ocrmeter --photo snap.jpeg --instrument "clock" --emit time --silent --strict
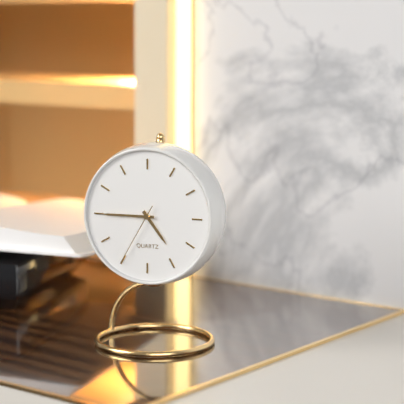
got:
4:45:35
